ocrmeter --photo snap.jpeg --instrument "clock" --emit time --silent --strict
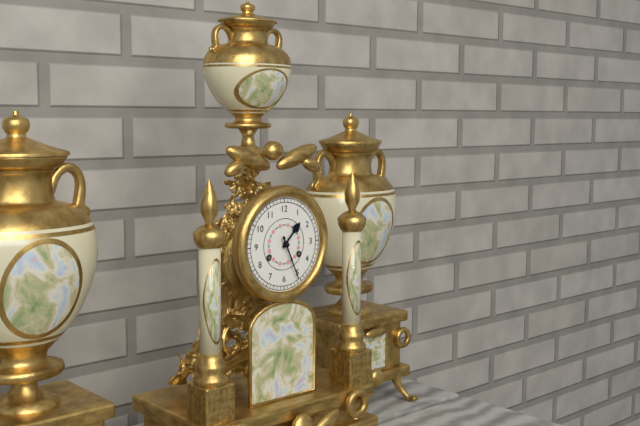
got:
1:26
